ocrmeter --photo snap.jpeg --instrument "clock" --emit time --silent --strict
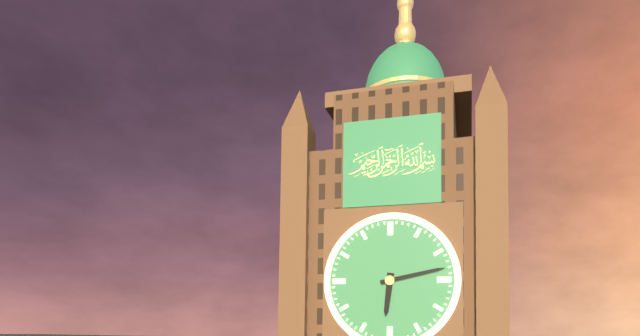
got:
6:13
